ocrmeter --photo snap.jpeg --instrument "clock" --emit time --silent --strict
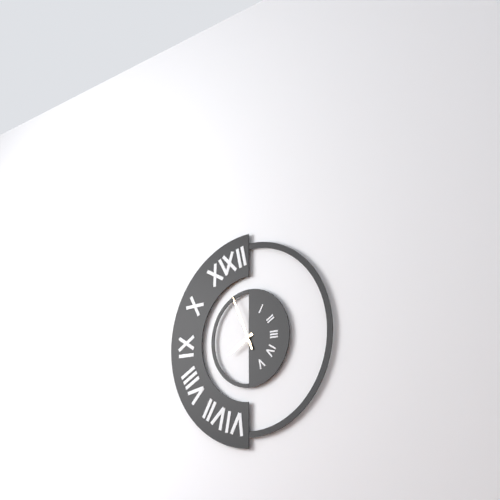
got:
7:56
